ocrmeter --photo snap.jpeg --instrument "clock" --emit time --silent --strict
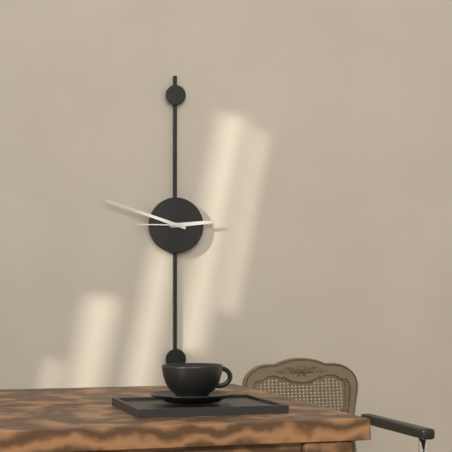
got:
2:48
